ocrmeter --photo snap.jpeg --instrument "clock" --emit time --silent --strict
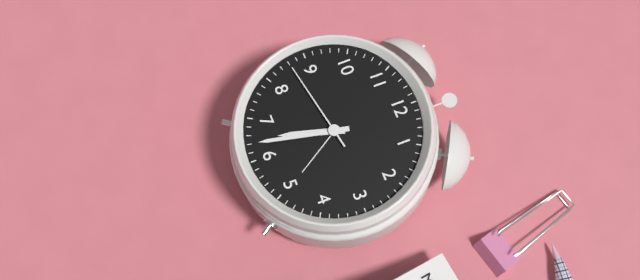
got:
6:32:43
